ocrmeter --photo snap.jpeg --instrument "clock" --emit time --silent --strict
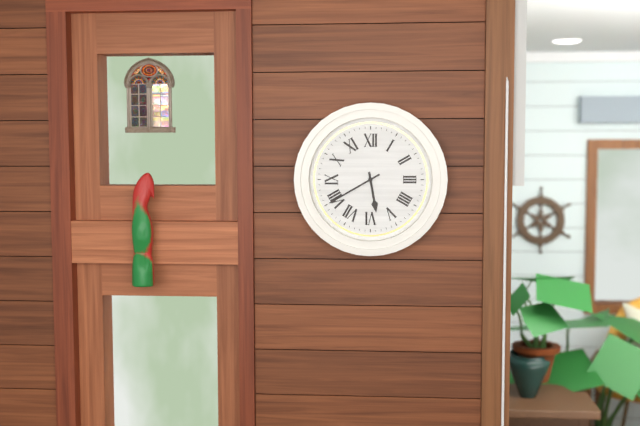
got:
5:40
